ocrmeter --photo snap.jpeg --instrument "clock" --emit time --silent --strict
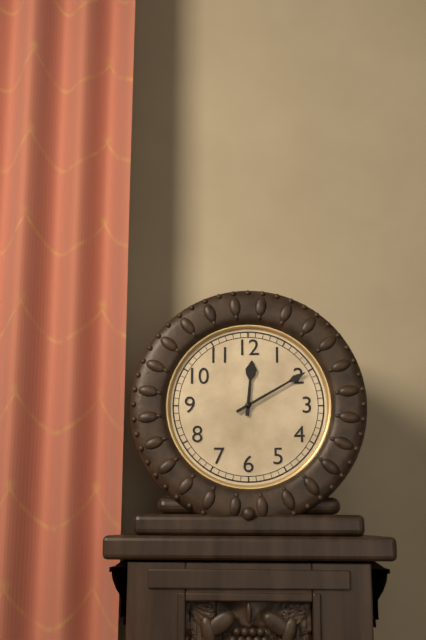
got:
12:10
